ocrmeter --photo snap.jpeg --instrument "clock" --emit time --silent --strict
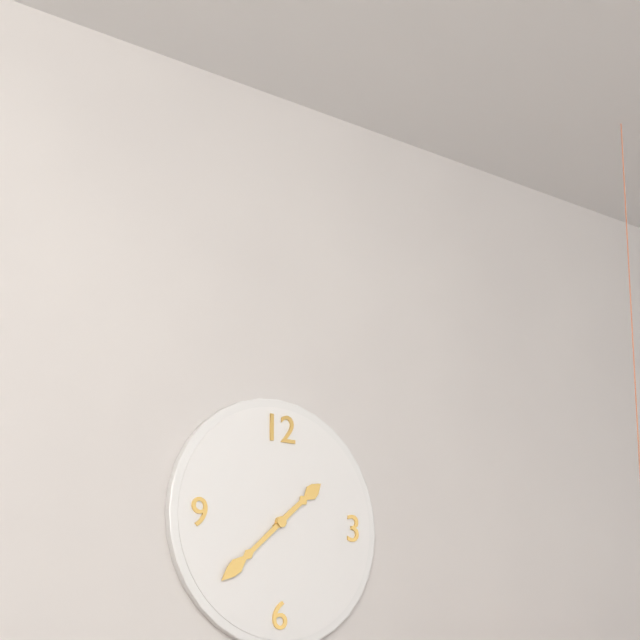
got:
1:38
